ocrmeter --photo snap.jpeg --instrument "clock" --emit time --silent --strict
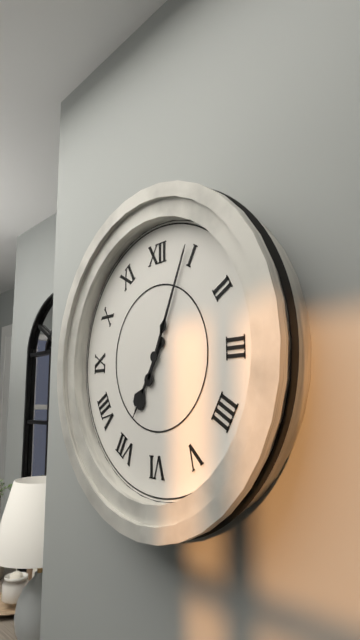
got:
7:04
